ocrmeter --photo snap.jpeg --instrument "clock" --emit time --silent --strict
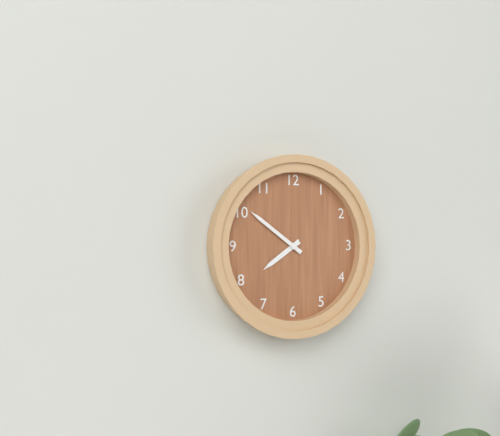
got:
7:51
